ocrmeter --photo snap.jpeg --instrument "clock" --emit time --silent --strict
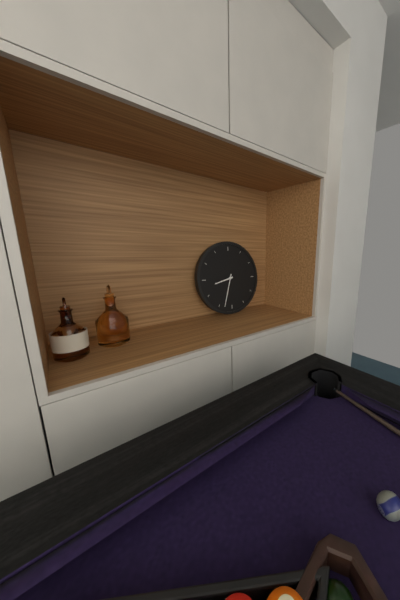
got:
8:33
